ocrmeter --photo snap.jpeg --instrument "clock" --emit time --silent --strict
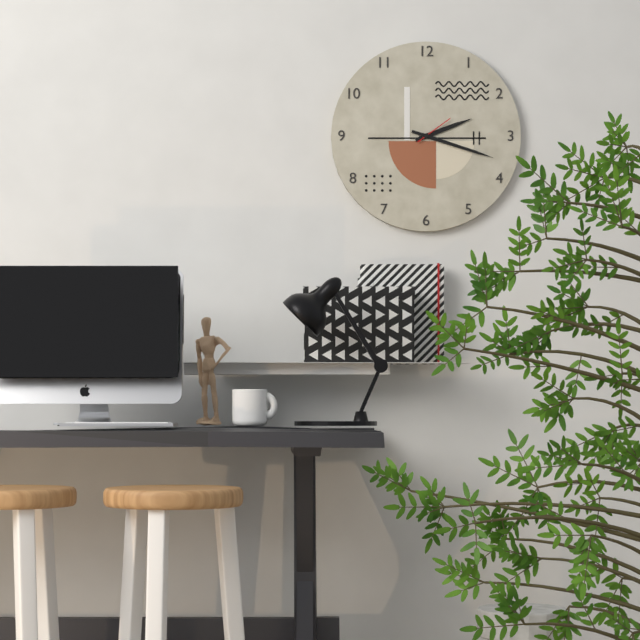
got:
2:18
